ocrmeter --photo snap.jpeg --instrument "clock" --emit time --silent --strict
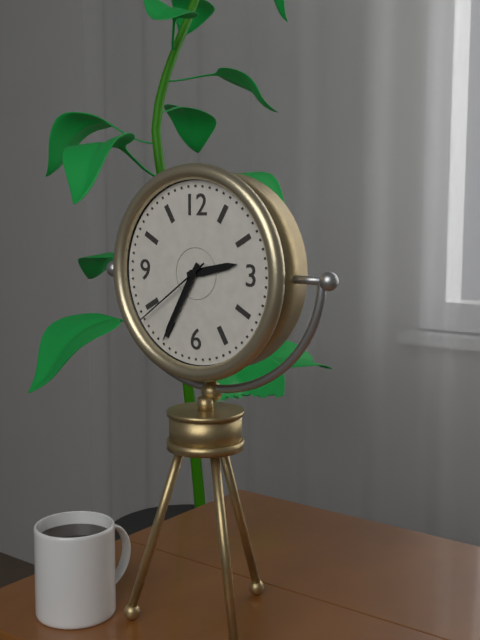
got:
2:35:39
